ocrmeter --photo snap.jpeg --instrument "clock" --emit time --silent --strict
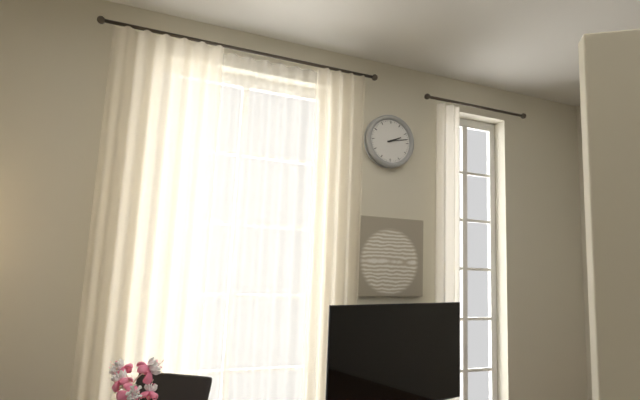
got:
2:13
